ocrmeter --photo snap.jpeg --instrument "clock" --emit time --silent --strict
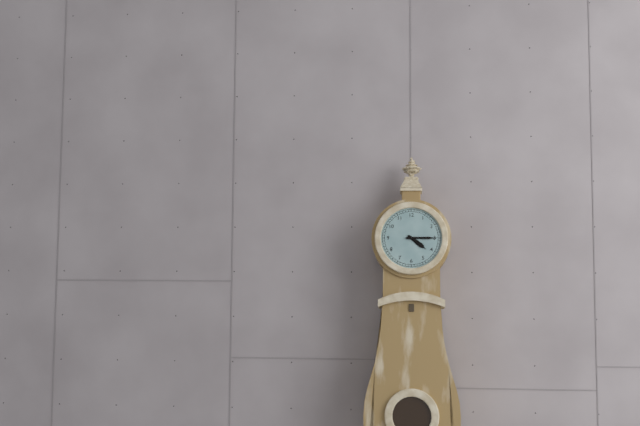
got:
4:15
